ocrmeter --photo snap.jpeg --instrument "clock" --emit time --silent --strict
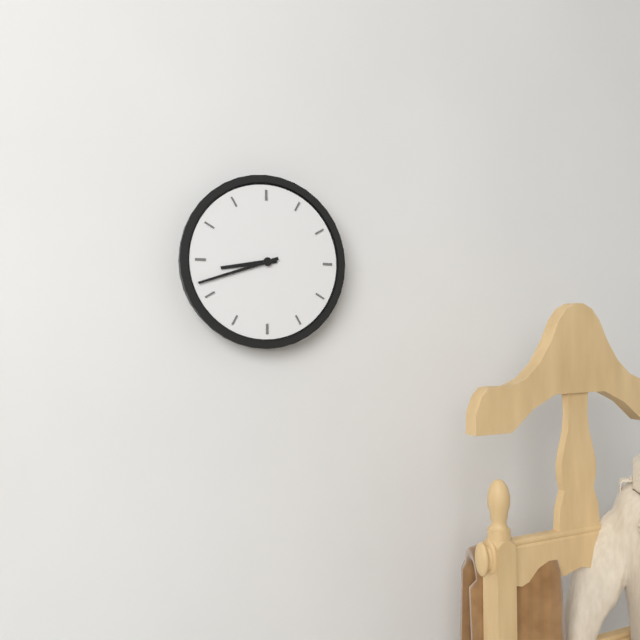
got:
8:42
